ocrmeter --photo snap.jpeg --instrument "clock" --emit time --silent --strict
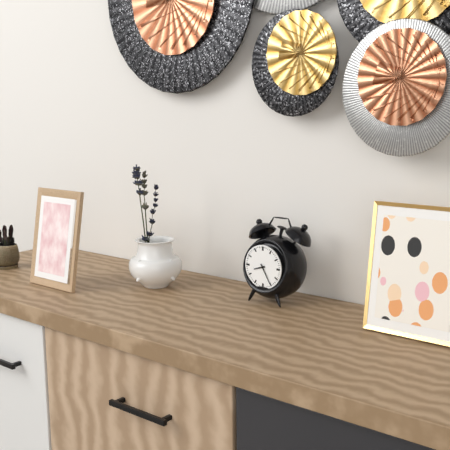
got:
8:25
